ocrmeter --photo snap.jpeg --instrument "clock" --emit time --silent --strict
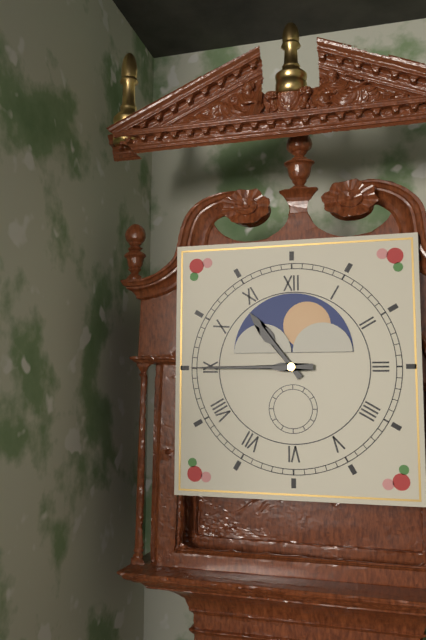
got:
10:45
